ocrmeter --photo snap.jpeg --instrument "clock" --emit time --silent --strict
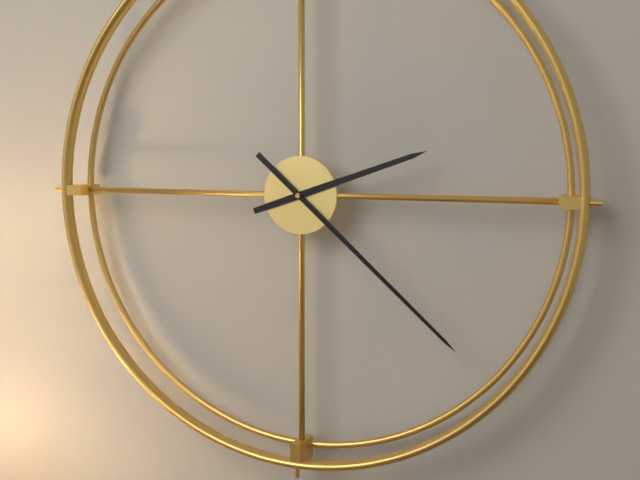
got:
2:22
